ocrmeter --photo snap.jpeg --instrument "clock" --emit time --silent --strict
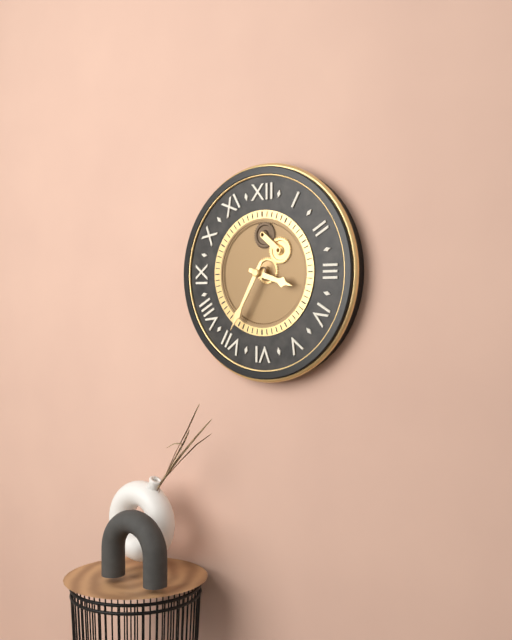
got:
3:35
